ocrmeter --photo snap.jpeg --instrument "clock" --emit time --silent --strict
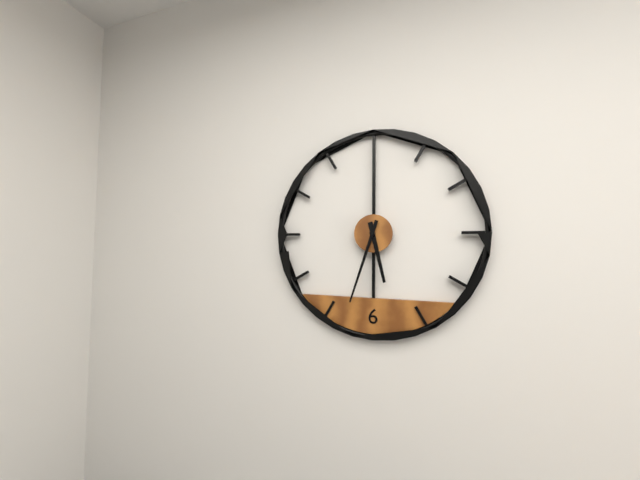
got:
5:33
